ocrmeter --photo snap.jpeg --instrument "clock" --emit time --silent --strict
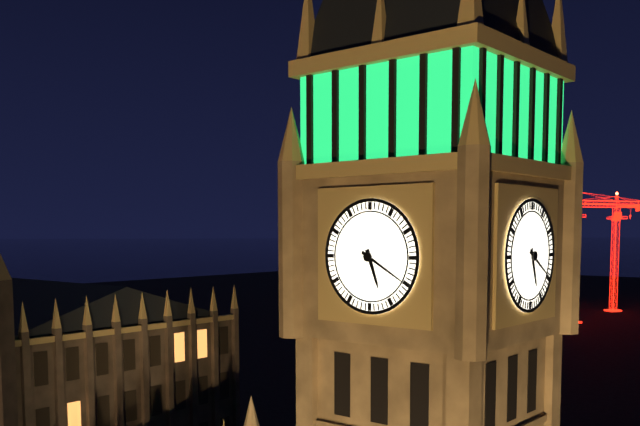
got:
5:20
